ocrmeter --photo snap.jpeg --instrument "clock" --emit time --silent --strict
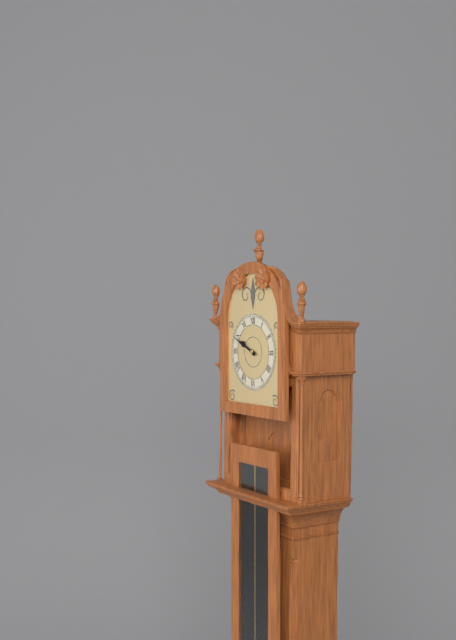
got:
9:49
